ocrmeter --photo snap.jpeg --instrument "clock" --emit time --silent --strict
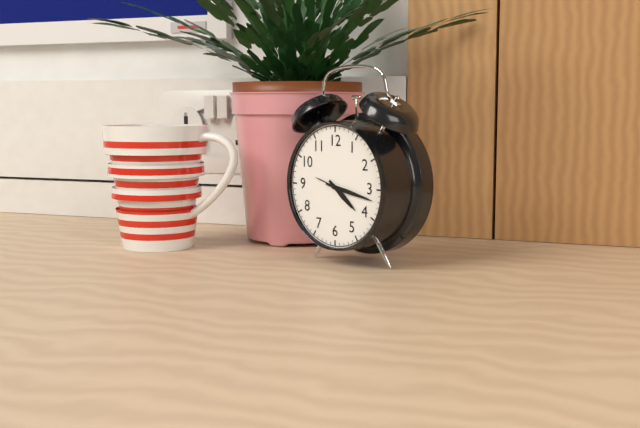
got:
4:17
